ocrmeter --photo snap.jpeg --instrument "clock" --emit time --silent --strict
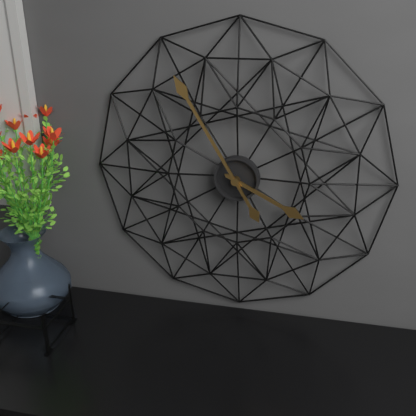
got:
3:55
